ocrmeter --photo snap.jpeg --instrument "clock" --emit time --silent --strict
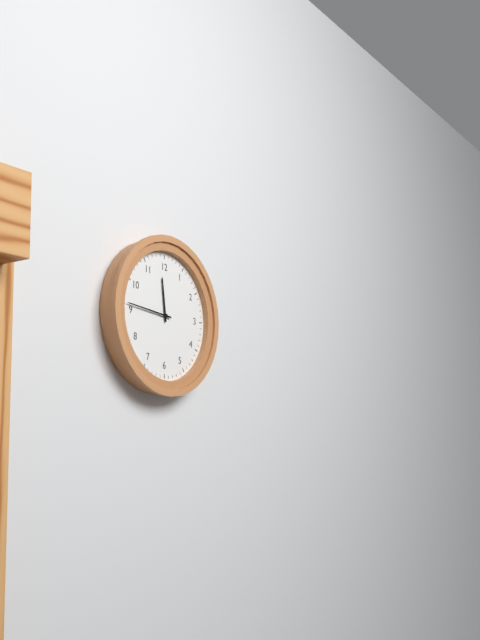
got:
11:46
